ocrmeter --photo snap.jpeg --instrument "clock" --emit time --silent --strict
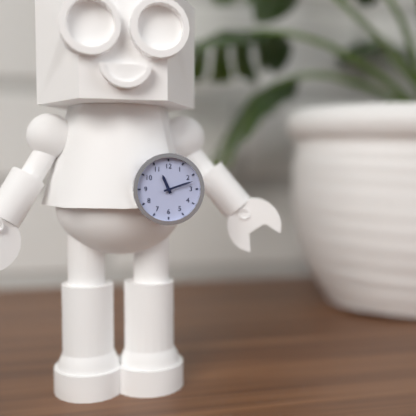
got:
11:12
